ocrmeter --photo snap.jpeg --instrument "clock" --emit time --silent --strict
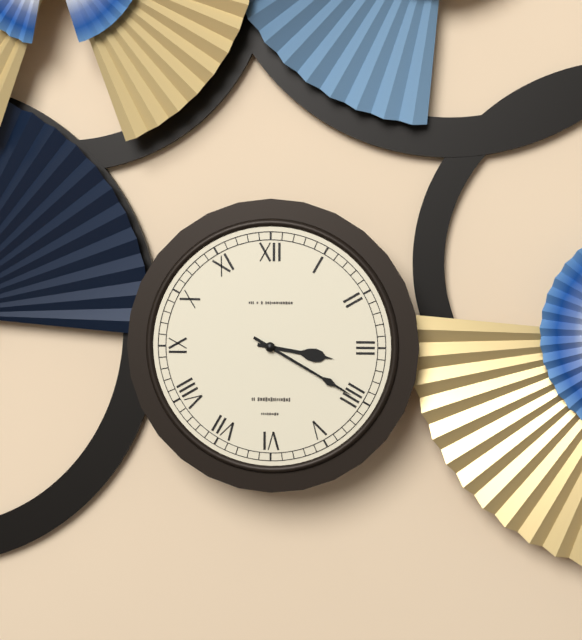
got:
3:20
